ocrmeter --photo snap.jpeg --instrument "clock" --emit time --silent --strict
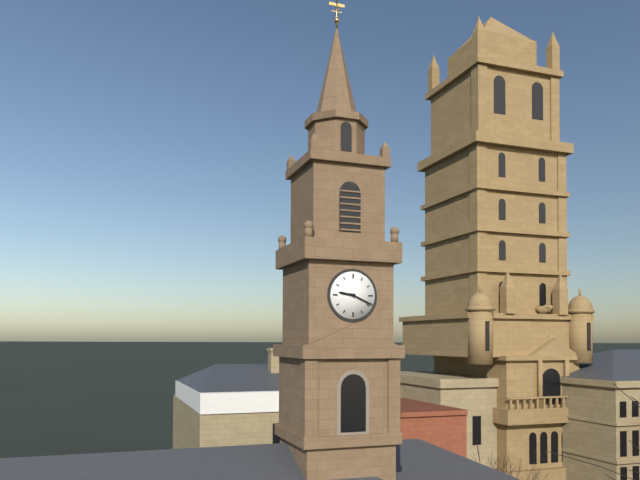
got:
9:19
